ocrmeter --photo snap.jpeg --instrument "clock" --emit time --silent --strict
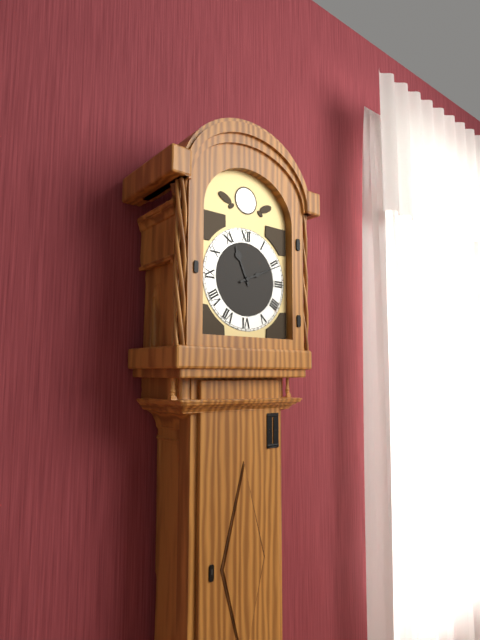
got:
11:11
